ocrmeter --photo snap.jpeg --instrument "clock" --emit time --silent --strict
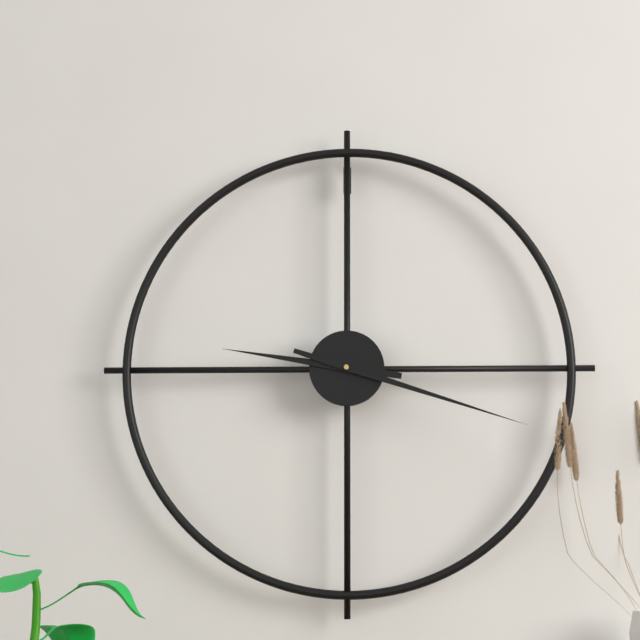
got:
9:18
